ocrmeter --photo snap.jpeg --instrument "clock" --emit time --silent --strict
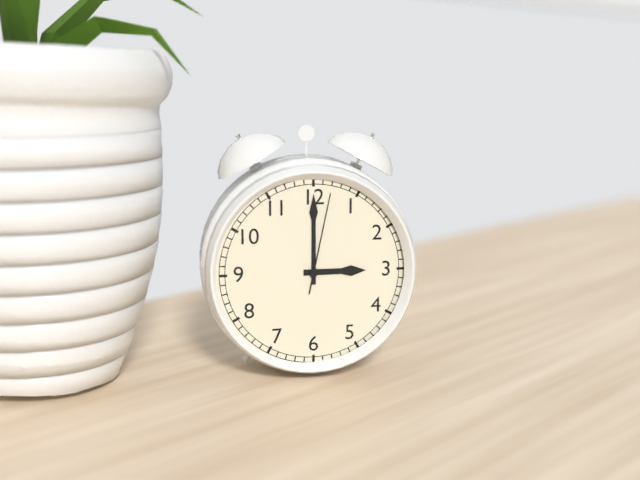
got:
3:00:02
